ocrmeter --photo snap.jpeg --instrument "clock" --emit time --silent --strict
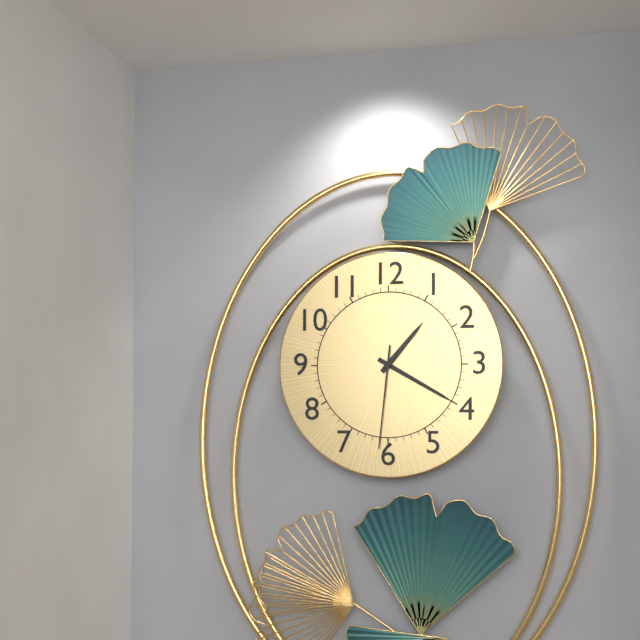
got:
1:20:31
